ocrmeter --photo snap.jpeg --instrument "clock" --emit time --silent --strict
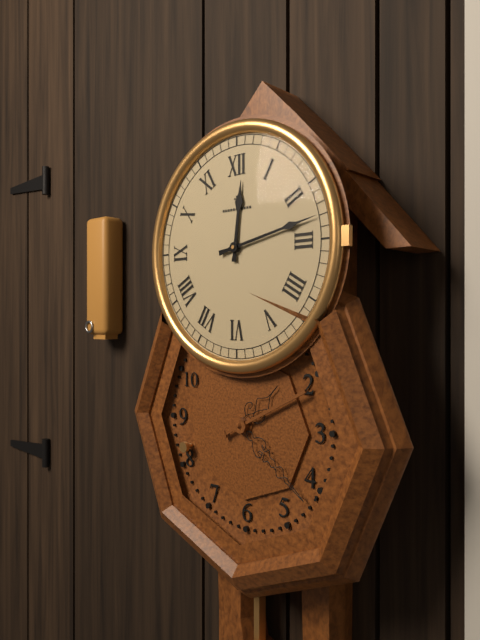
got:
12:13
